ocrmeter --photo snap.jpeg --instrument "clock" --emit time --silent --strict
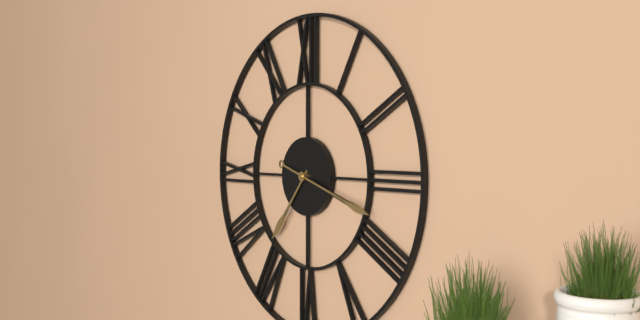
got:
7:18
